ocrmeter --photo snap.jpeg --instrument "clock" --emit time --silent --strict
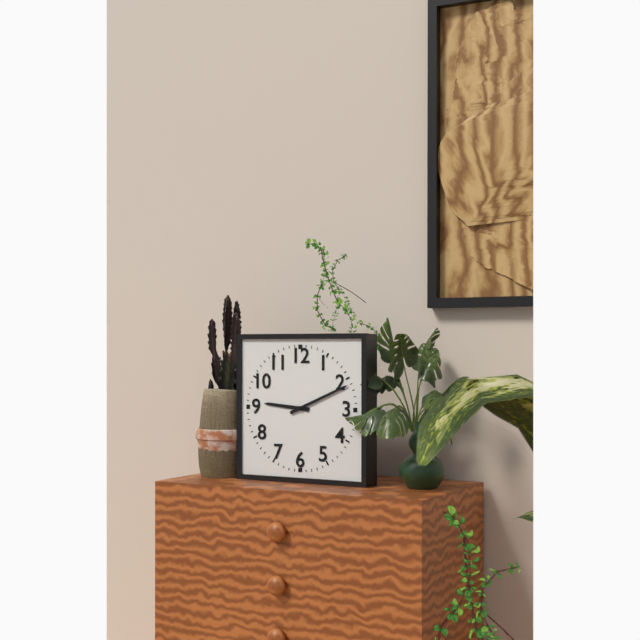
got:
9:11
